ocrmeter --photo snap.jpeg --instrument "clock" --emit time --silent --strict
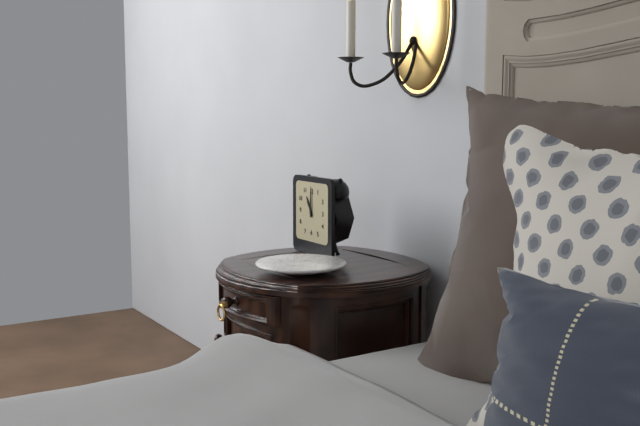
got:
11:00
